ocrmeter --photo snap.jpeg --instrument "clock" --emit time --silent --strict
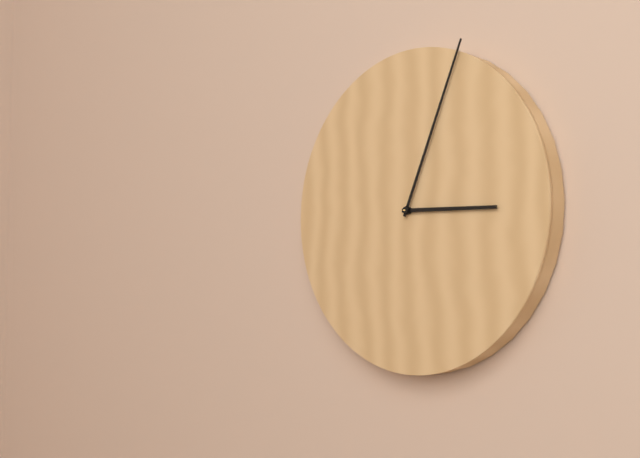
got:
3:04
